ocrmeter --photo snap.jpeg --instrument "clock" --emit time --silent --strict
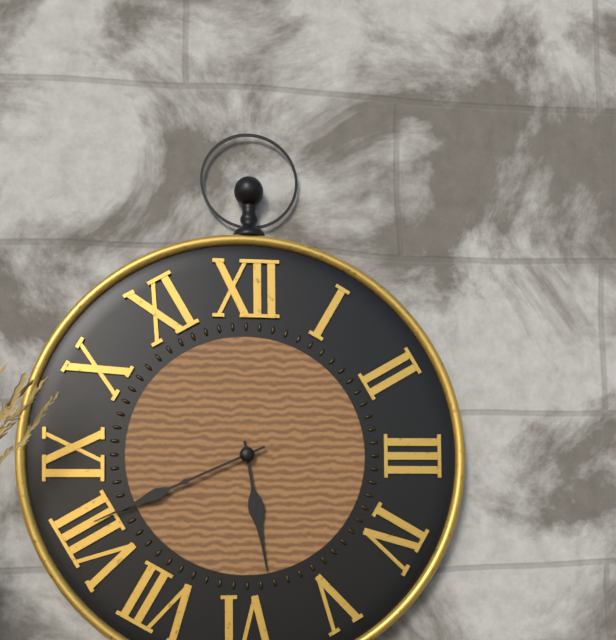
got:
5:41
